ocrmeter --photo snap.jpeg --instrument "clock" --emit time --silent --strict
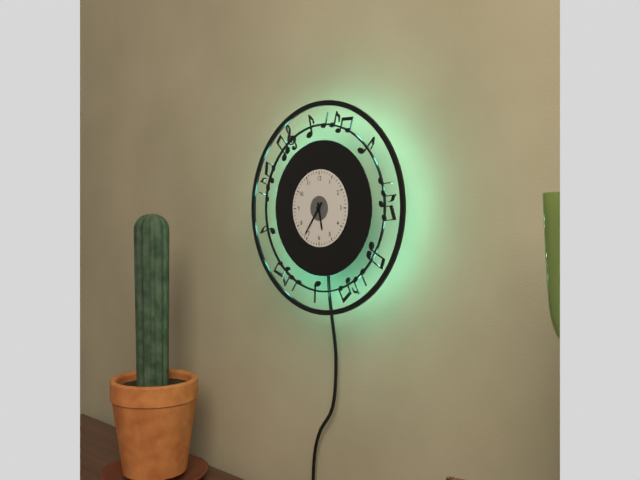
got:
5:36
